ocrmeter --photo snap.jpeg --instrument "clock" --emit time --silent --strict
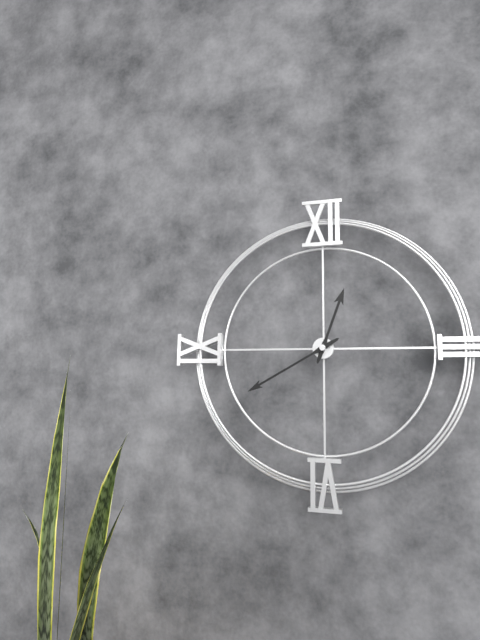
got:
12:40
